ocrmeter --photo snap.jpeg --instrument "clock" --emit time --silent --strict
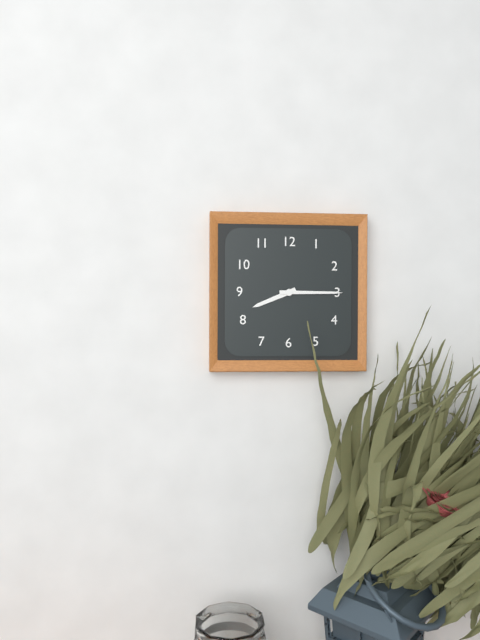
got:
8:15
